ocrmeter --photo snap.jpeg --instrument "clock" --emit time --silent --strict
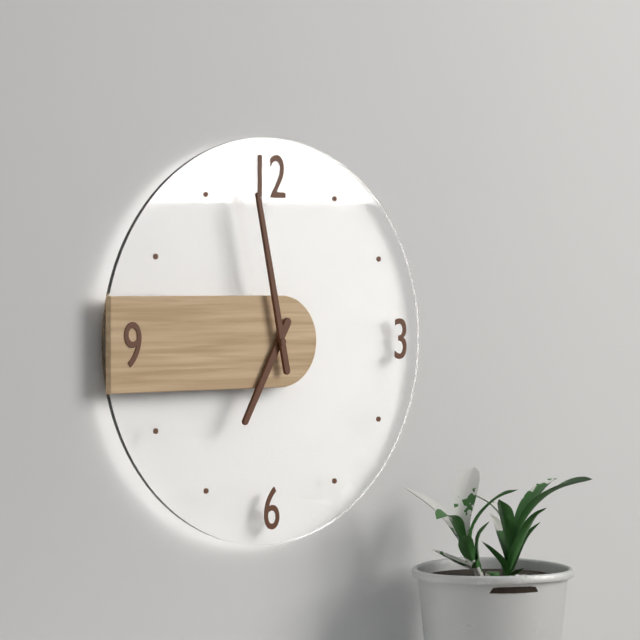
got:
6:58
